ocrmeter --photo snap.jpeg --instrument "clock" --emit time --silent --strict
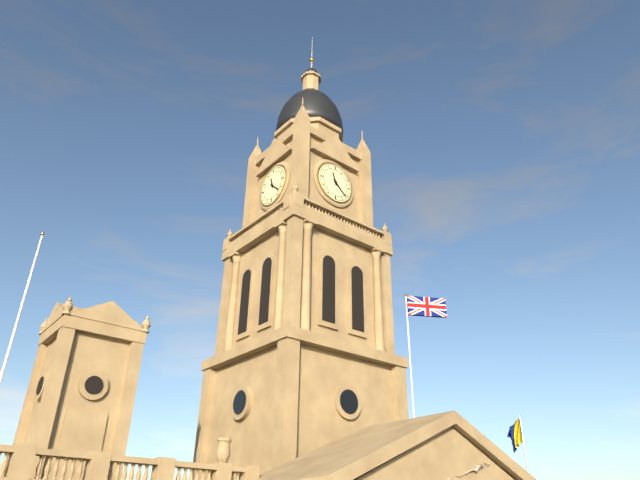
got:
11:22
